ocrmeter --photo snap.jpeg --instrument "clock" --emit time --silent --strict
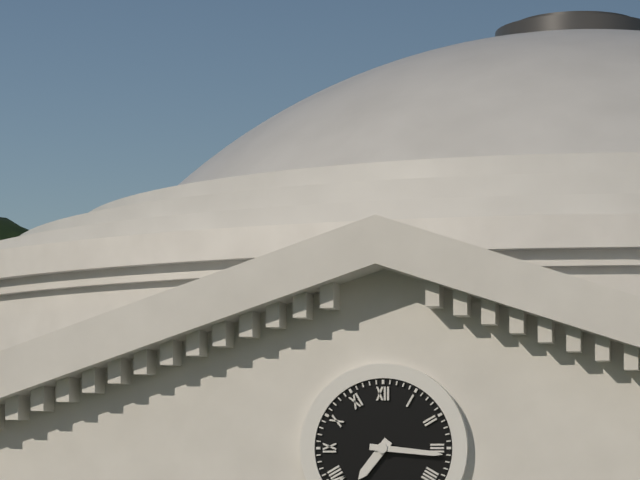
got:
7:16
